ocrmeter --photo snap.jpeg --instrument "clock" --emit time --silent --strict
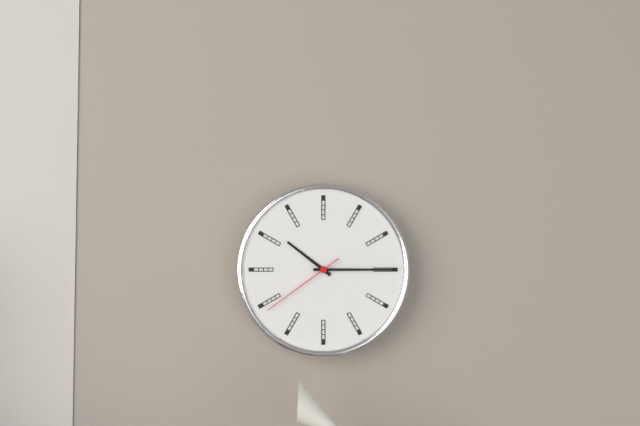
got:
10:15:39
